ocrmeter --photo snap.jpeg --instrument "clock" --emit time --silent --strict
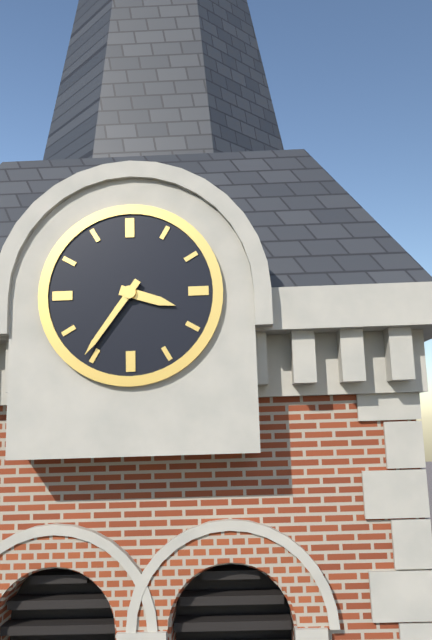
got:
3:36
